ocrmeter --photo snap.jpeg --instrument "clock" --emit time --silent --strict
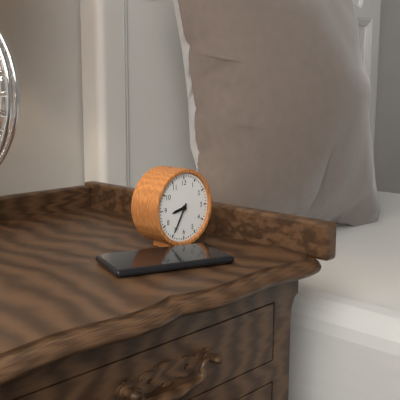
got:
8:35
